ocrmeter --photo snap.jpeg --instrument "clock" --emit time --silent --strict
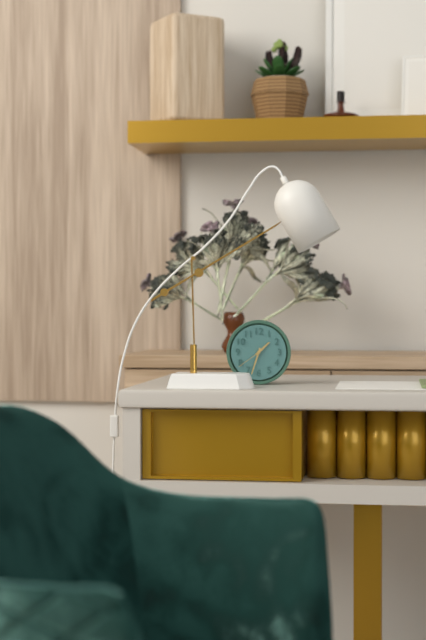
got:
1:33
